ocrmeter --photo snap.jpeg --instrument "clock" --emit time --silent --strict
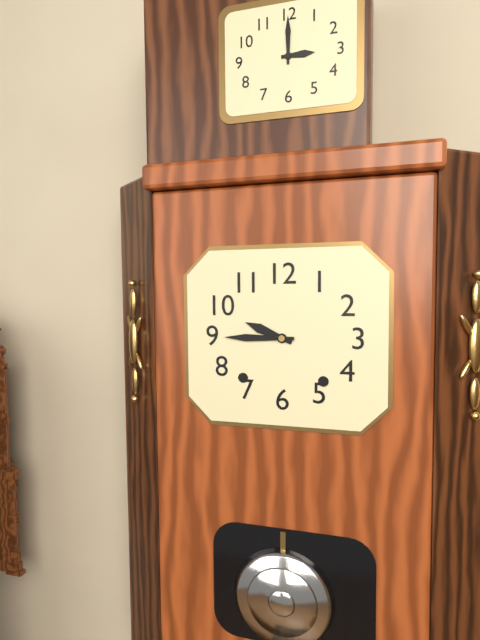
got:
9:45
